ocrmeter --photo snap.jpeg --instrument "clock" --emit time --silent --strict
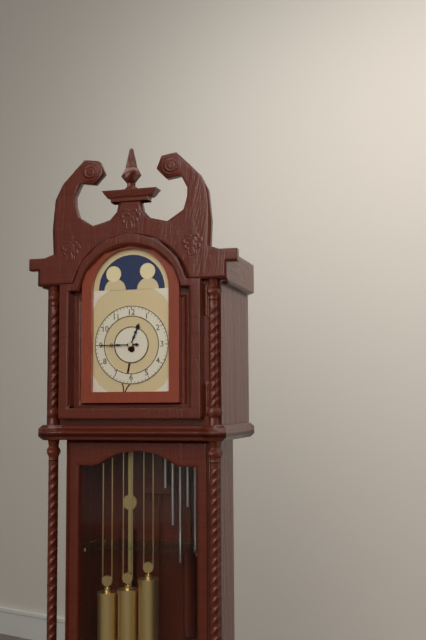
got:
12:45
